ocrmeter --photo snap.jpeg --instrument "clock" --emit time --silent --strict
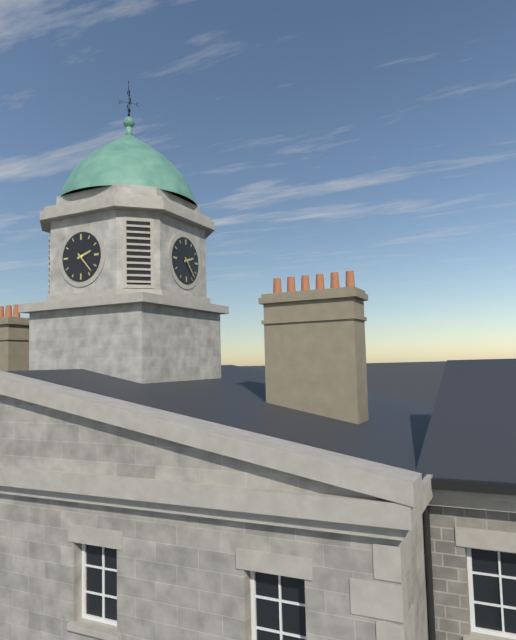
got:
2:23
